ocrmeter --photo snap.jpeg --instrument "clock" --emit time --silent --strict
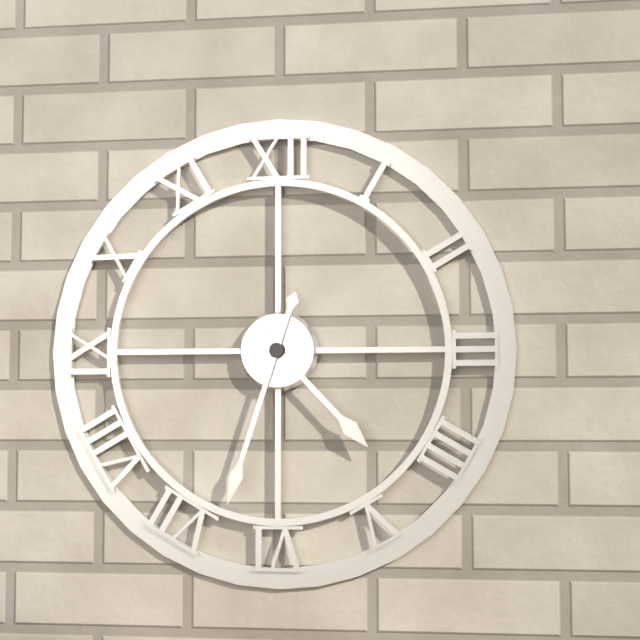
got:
4:33
